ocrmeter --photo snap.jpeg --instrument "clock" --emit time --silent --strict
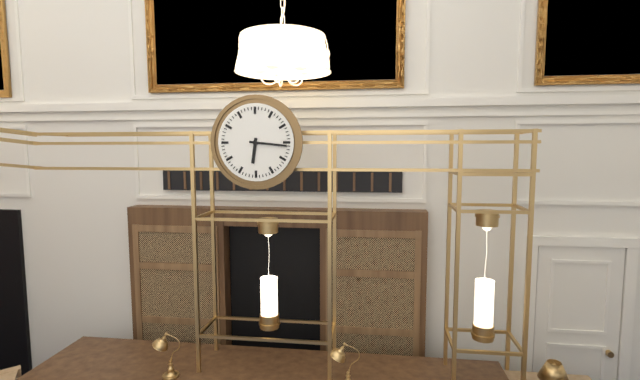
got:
6:16
